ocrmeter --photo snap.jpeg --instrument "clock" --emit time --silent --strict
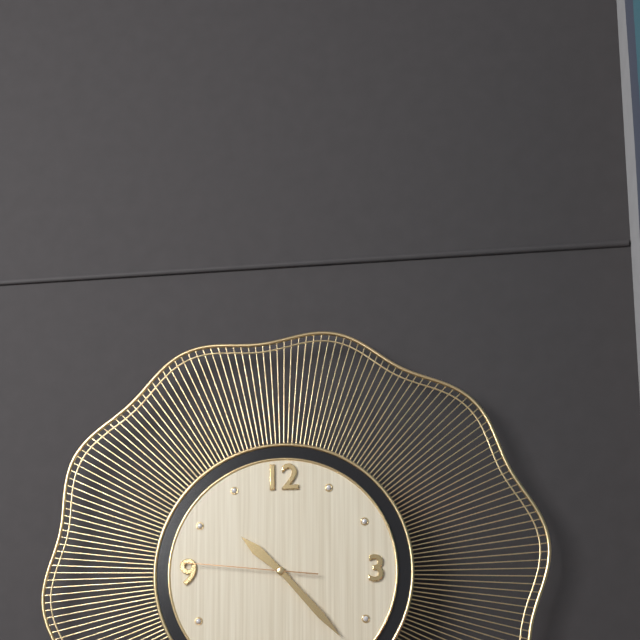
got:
10:23:46
